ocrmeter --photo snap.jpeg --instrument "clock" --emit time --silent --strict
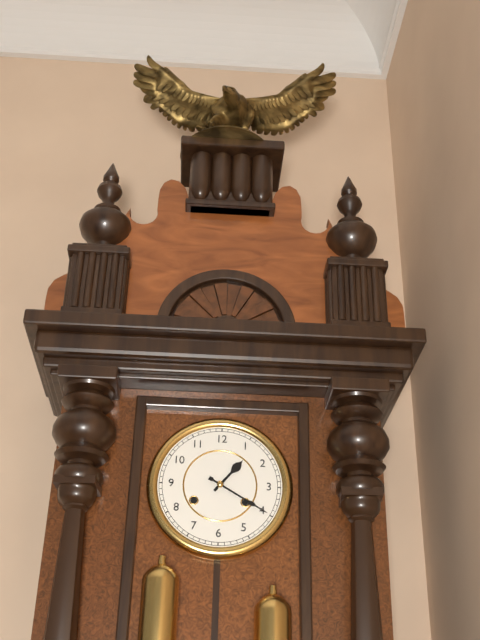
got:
1:20
